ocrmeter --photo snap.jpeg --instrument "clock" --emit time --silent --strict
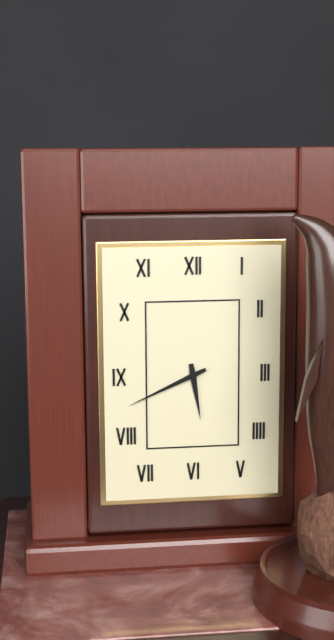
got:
5:41
